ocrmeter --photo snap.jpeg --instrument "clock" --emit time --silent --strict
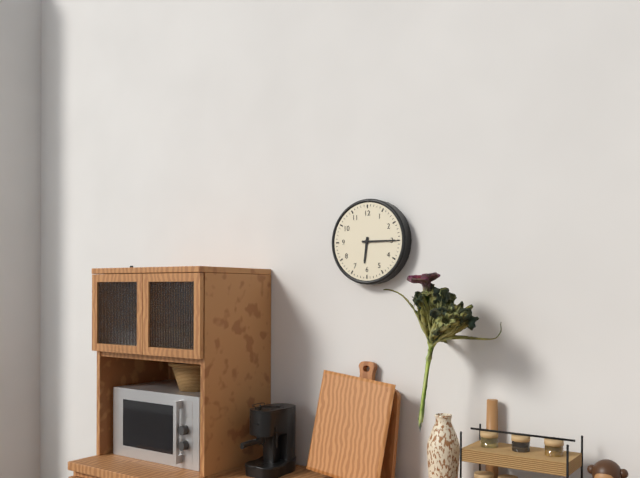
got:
6:15
